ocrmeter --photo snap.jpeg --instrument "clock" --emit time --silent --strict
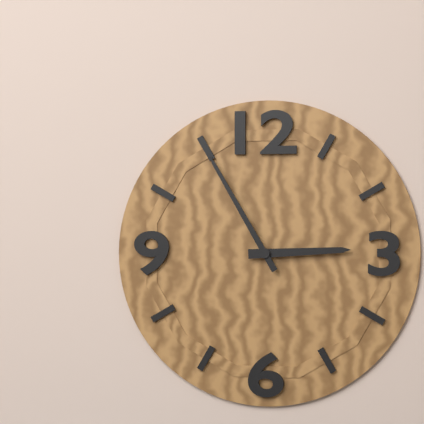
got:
2:55
